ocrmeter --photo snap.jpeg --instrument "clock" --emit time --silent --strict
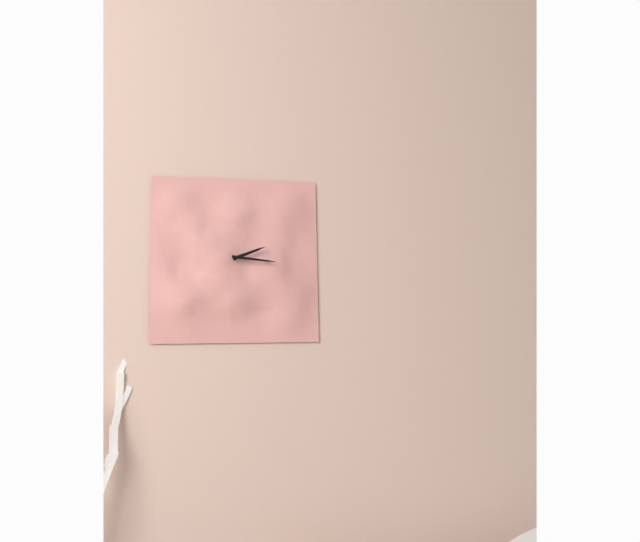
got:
2:16
